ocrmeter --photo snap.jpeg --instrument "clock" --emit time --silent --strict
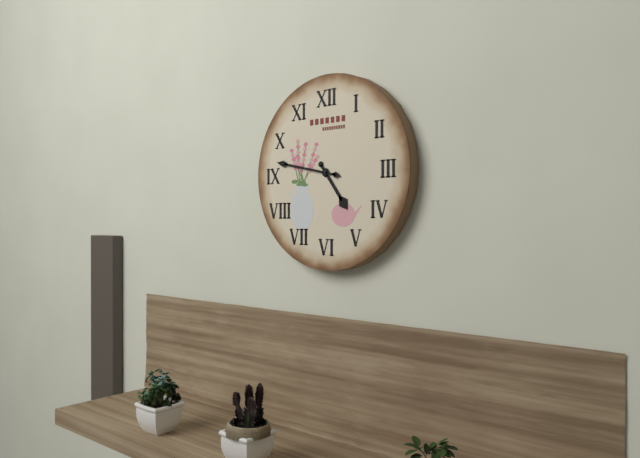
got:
4:47
